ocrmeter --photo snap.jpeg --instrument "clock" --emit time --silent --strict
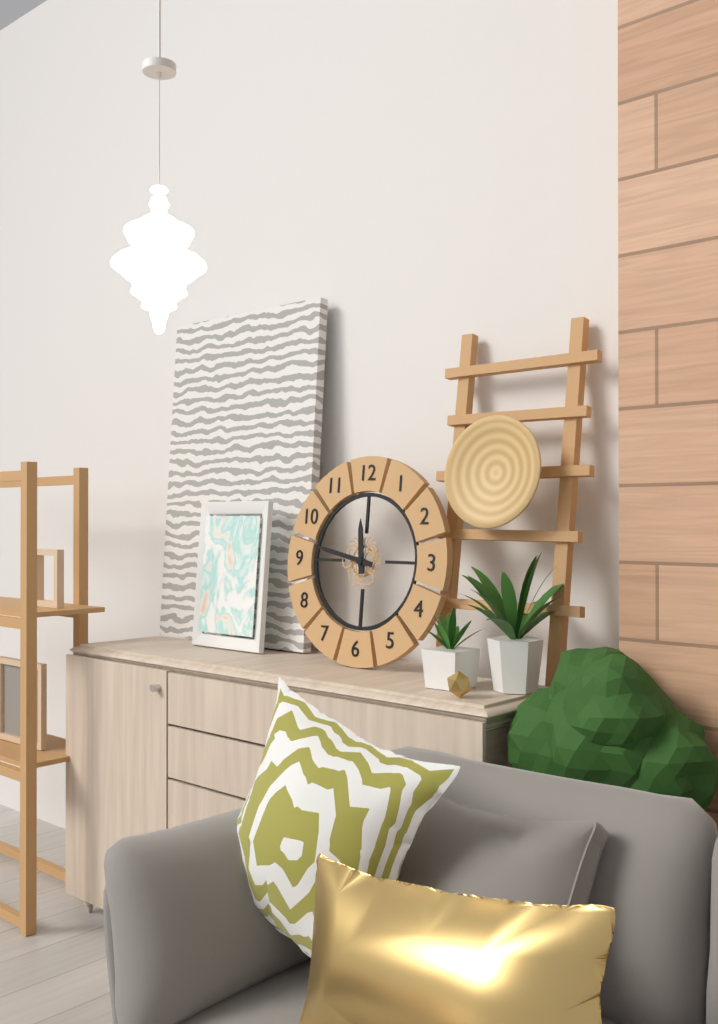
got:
11:47
